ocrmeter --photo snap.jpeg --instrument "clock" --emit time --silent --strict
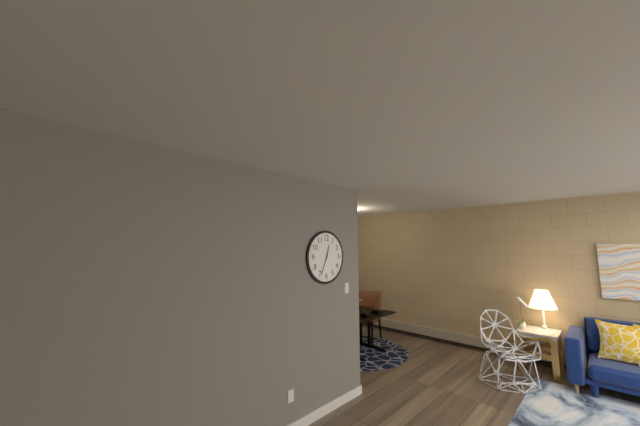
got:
12:34
